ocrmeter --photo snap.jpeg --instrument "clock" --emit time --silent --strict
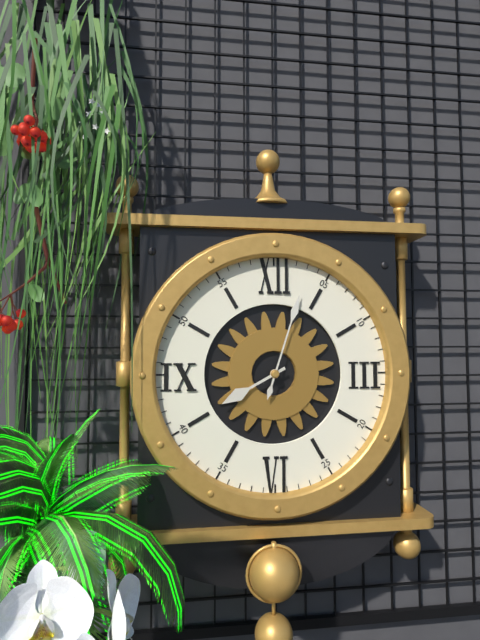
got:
8:03
